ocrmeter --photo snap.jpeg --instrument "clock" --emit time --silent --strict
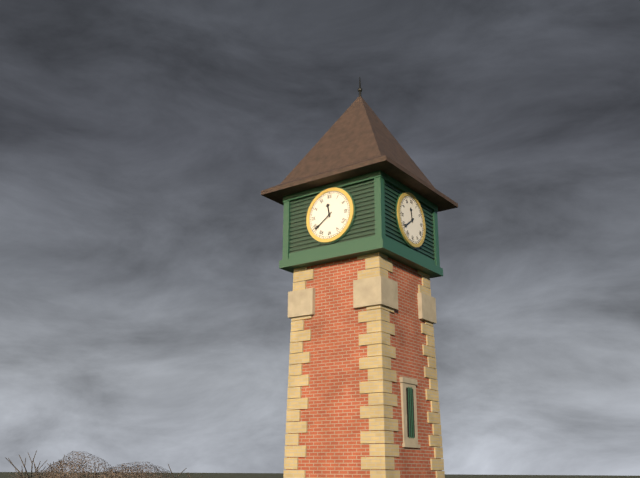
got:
11:39
